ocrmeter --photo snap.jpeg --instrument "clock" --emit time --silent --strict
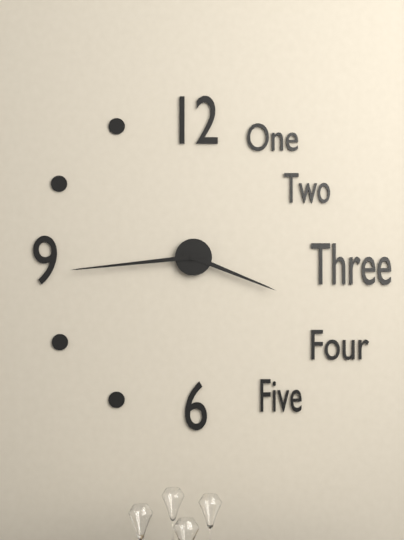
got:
3:44
